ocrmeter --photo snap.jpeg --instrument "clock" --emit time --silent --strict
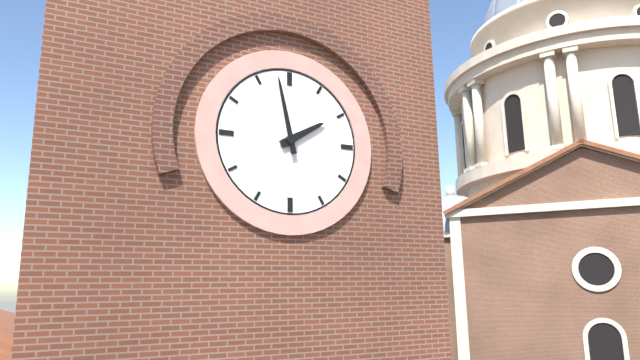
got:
1:58
